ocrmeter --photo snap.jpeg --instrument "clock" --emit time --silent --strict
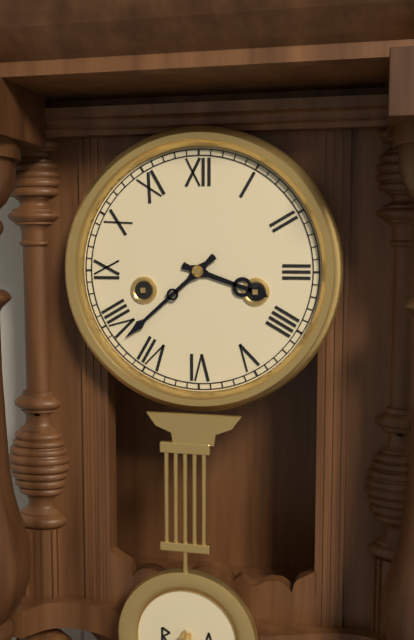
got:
3:38
